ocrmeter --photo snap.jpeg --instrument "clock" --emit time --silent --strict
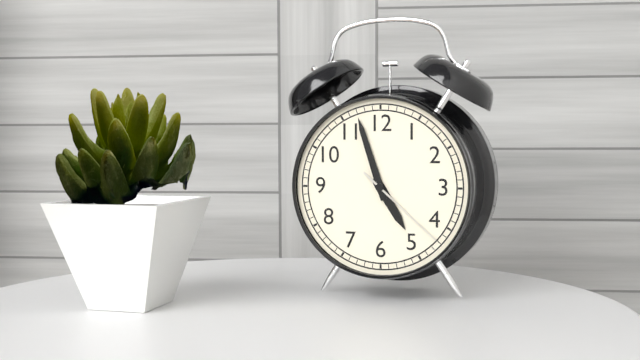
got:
4:57:22
